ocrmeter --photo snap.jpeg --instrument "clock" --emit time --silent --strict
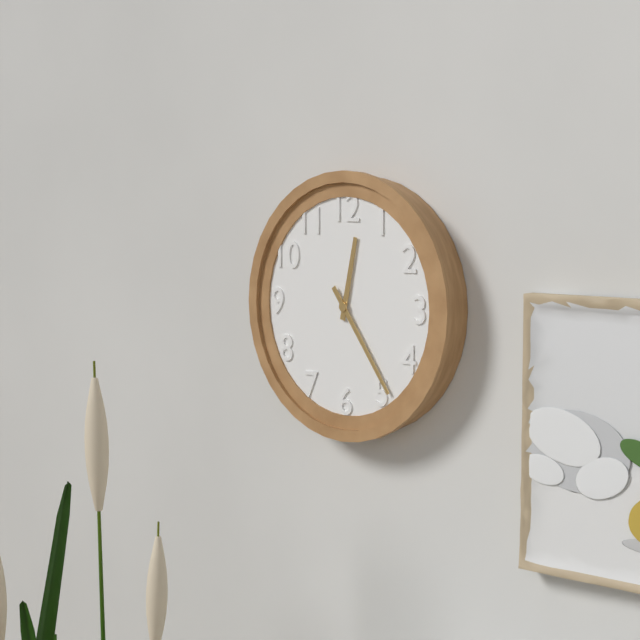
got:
12:24
